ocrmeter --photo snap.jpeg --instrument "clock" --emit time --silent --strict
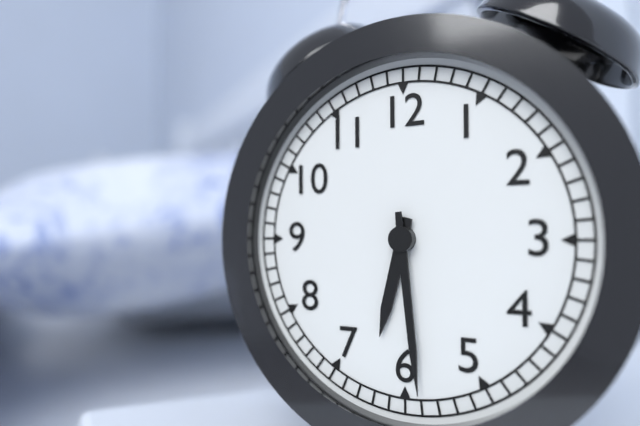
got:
6:29
